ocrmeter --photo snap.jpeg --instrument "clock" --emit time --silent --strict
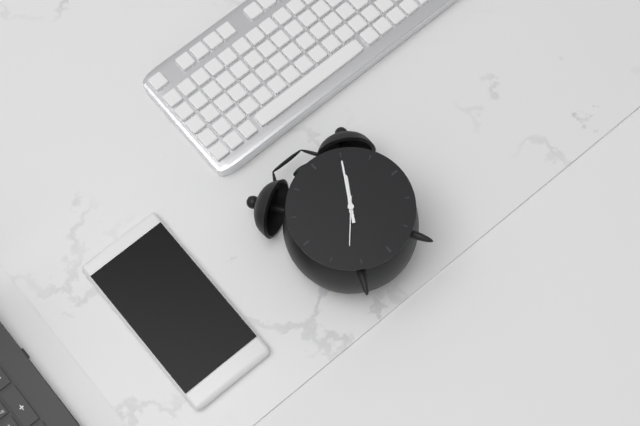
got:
1:05
